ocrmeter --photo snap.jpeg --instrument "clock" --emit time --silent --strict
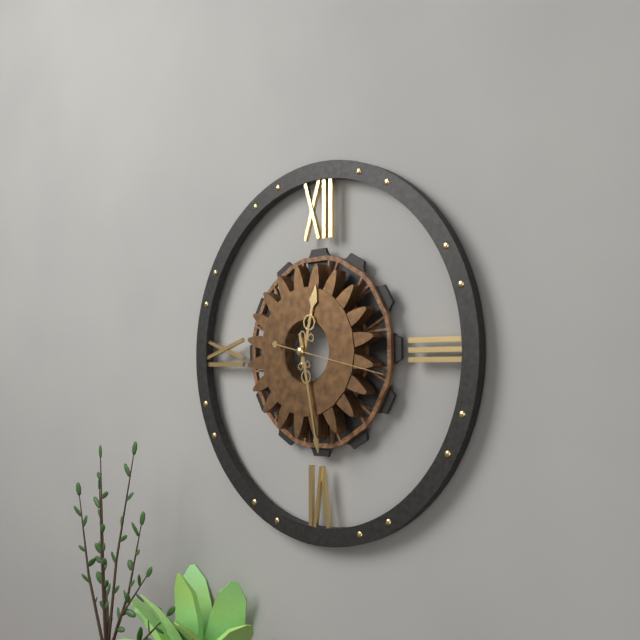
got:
12:28:17
